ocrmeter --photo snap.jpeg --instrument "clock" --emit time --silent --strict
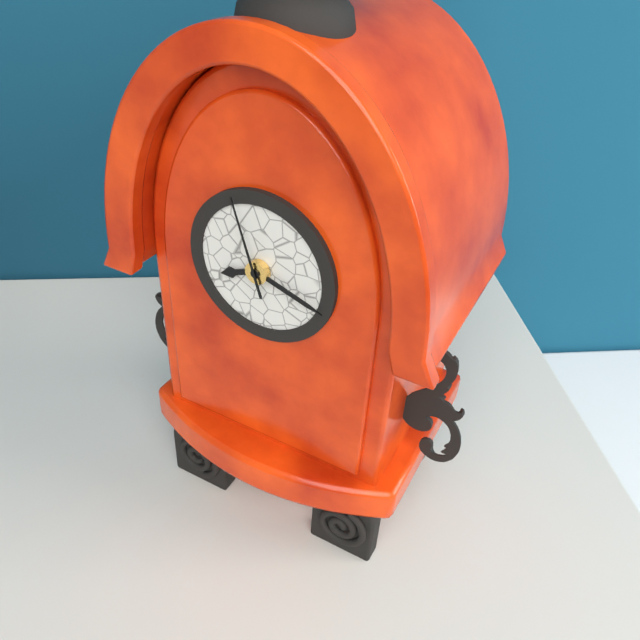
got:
8:18:57
